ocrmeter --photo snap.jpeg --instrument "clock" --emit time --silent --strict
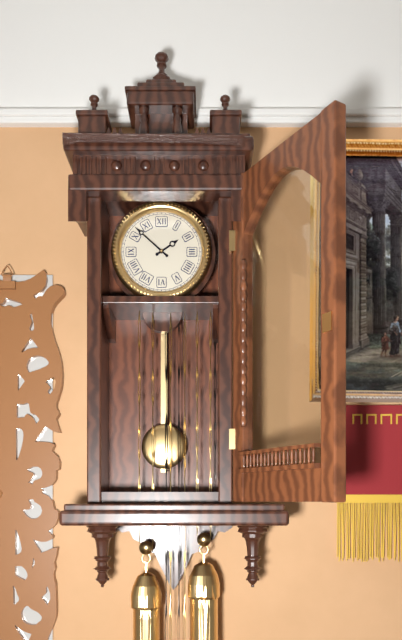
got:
1:52
